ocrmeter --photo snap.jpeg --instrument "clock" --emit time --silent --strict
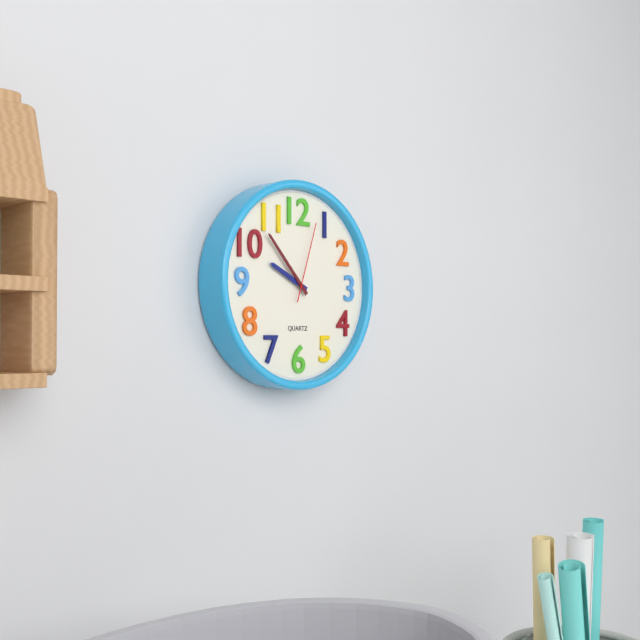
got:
9:53:03
